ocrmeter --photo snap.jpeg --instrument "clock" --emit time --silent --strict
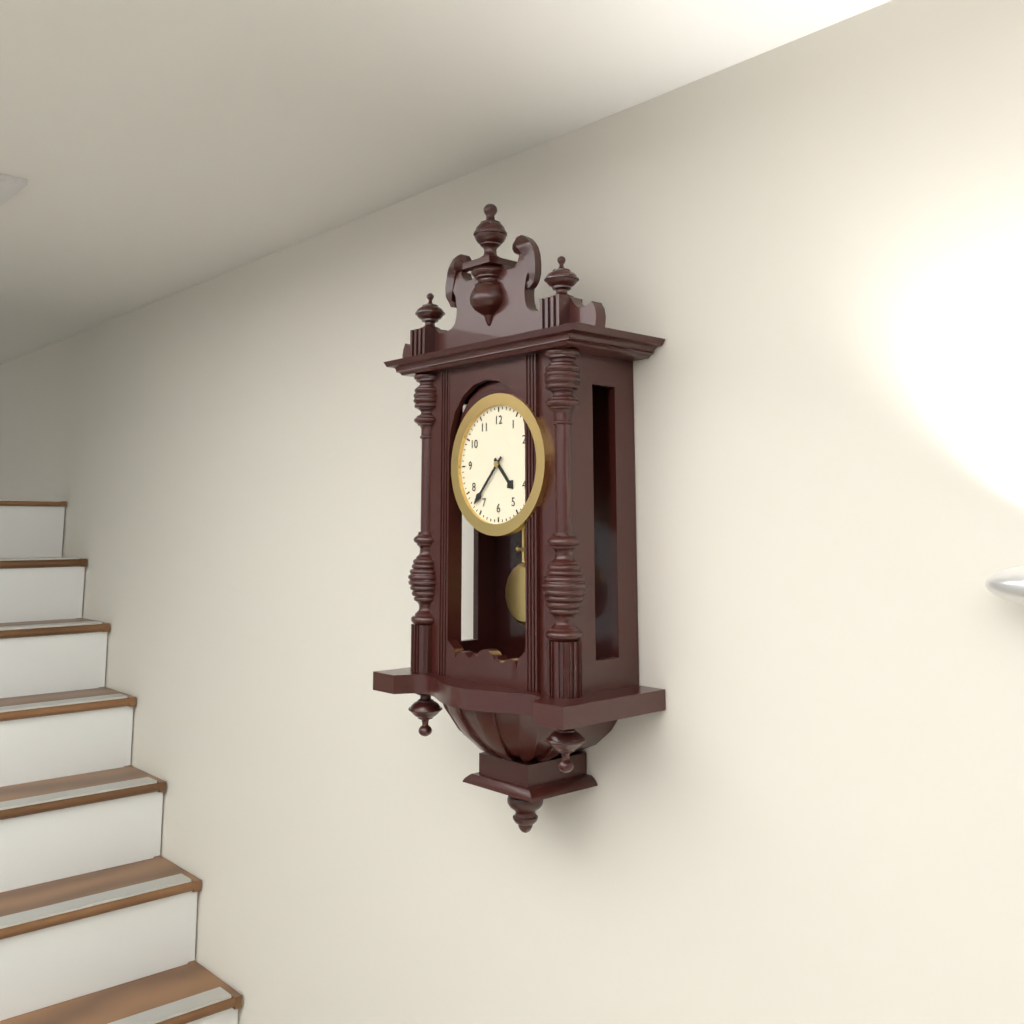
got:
4:37
